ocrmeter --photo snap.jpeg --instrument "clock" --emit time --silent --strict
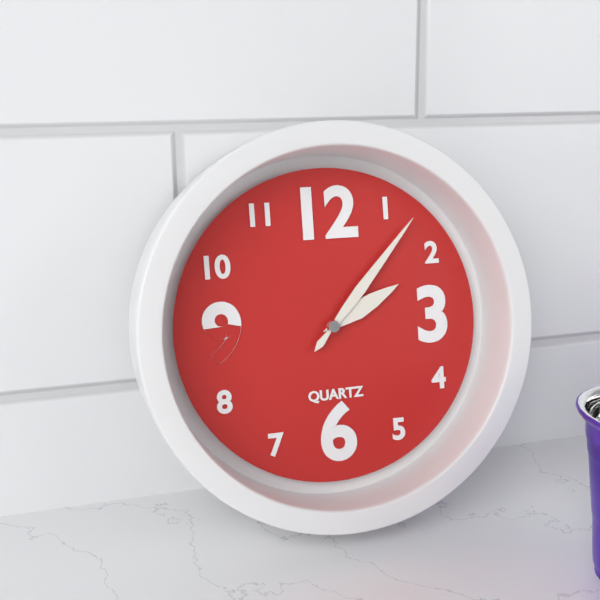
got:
2:07
